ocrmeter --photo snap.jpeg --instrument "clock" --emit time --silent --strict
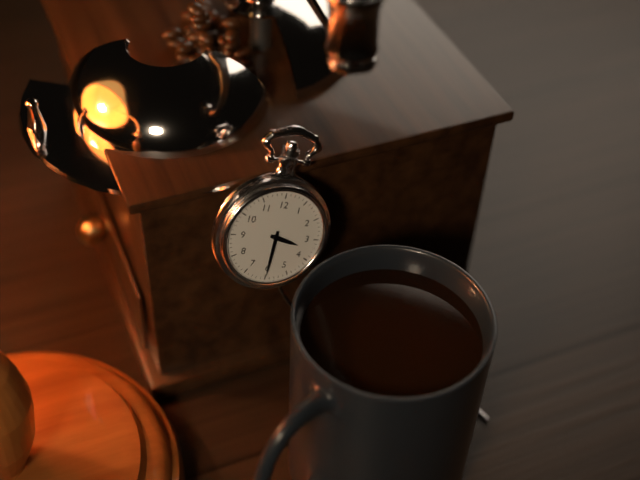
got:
3:30
